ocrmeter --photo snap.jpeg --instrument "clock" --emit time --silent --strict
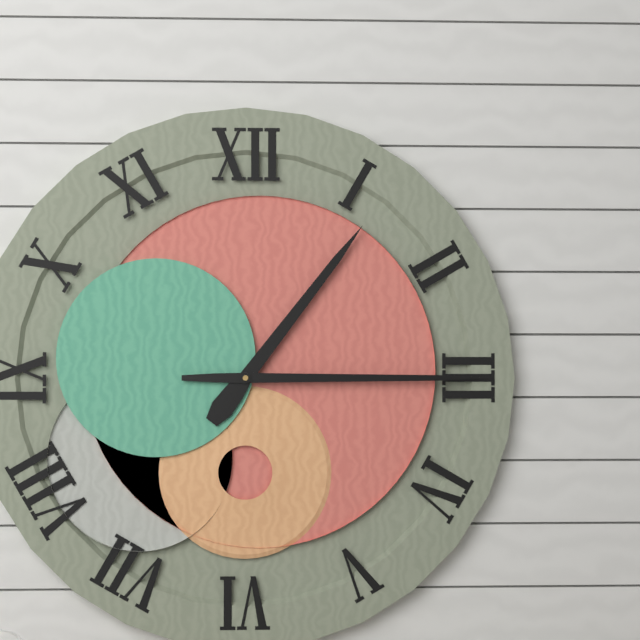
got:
1:15
